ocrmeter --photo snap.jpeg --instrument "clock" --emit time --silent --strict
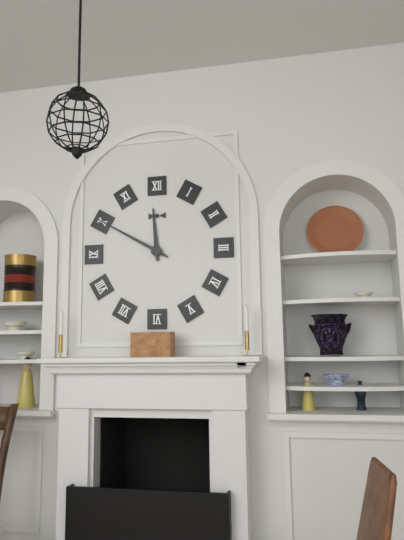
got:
11:50
